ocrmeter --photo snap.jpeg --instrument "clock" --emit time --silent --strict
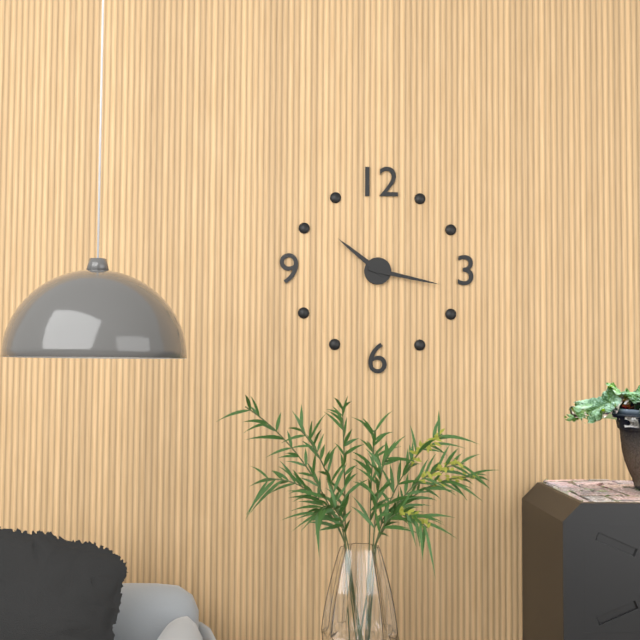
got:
10:17
